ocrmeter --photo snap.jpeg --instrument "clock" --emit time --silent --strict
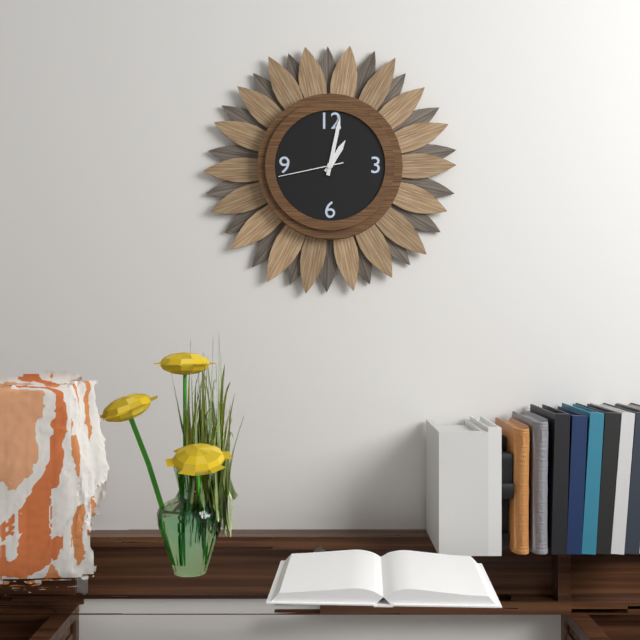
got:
1:02:43
